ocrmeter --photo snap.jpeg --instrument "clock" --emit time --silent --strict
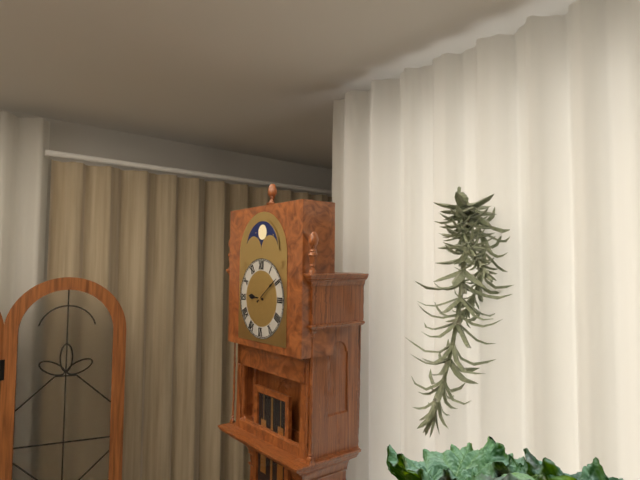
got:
9:09
